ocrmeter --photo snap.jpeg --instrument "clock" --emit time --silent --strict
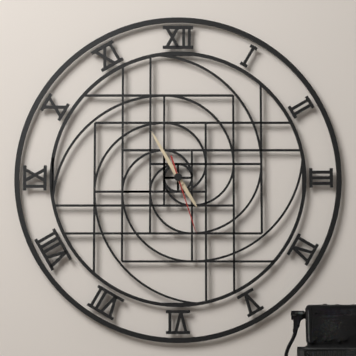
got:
4:55:27
